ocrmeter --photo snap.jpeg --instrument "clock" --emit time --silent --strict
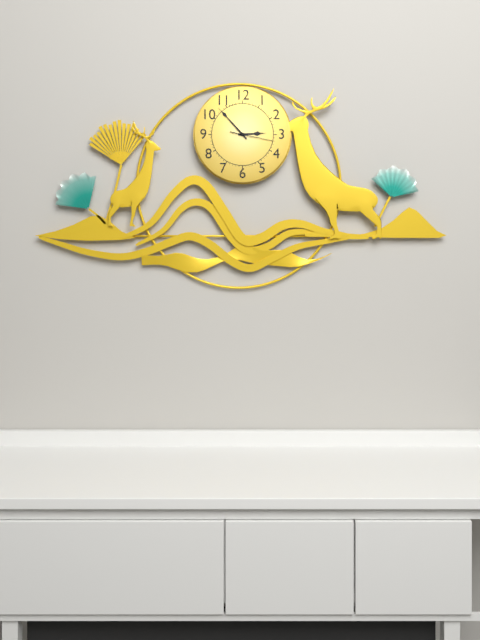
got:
2:53
